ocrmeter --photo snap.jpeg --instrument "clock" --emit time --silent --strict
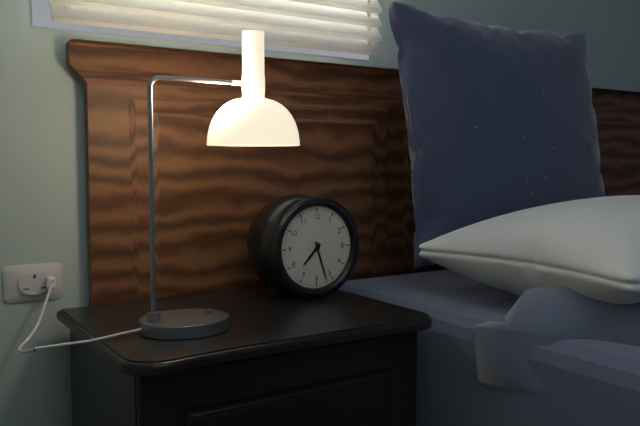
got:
7:27
